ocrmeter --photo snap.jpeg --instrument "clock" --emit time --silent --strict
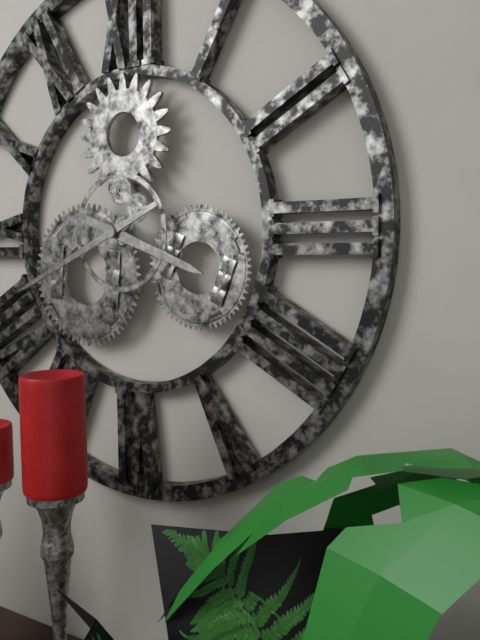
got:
3:41
